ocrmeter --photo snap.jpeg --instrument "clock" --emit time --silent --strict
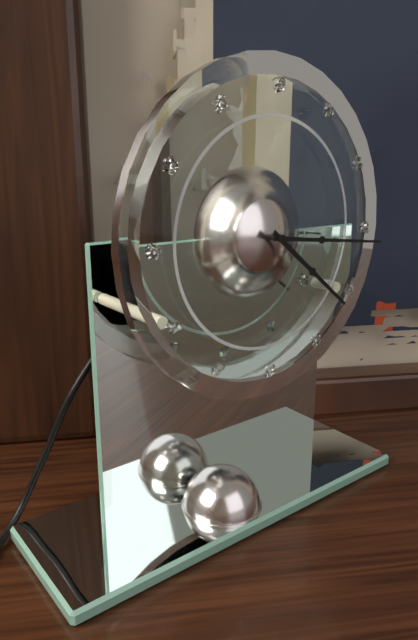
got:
4:16
